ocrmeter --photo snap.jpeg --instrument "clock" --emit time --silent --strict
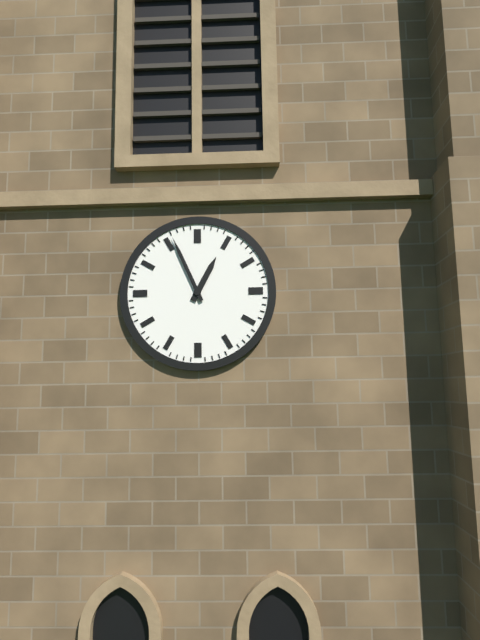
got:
12:56
